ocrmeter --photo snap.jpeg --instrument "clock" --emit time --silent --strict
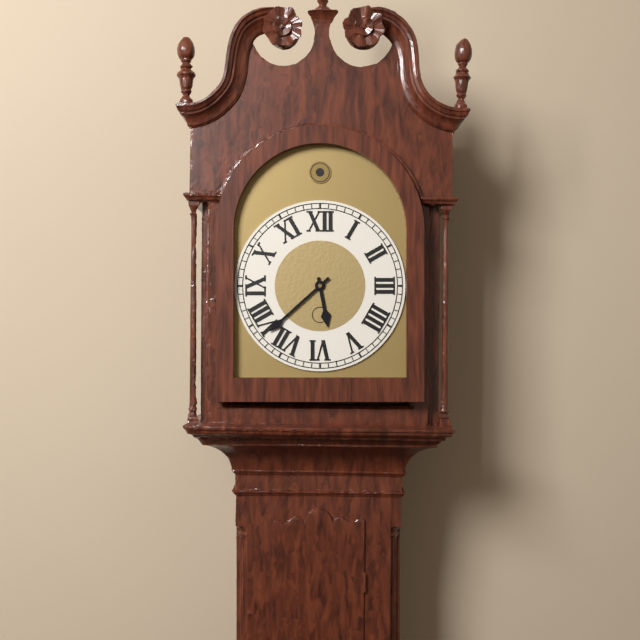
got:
5:38
